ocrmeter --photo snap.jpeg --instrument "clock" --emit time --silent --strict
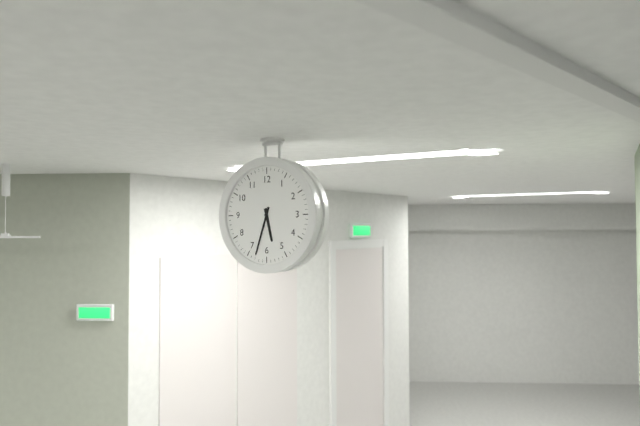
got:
5:33
